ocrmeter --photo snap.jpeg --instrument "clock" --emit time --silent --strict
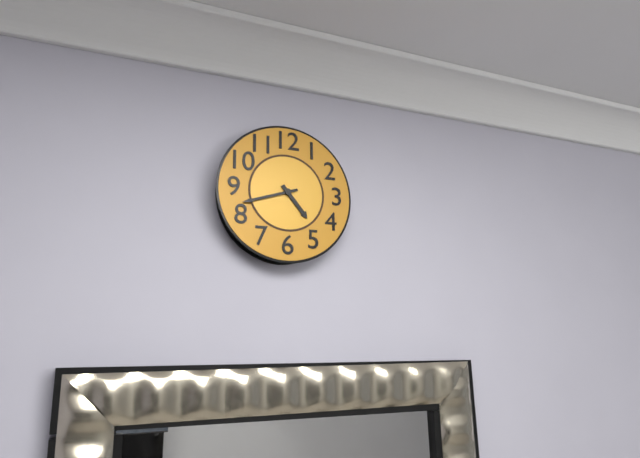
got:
4:42
